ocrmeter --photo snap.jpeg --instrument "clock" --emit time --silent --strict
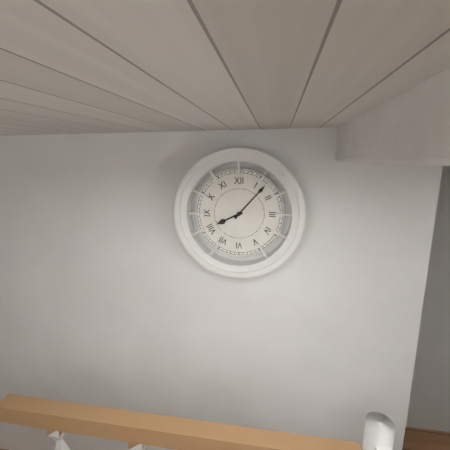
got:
8:07
